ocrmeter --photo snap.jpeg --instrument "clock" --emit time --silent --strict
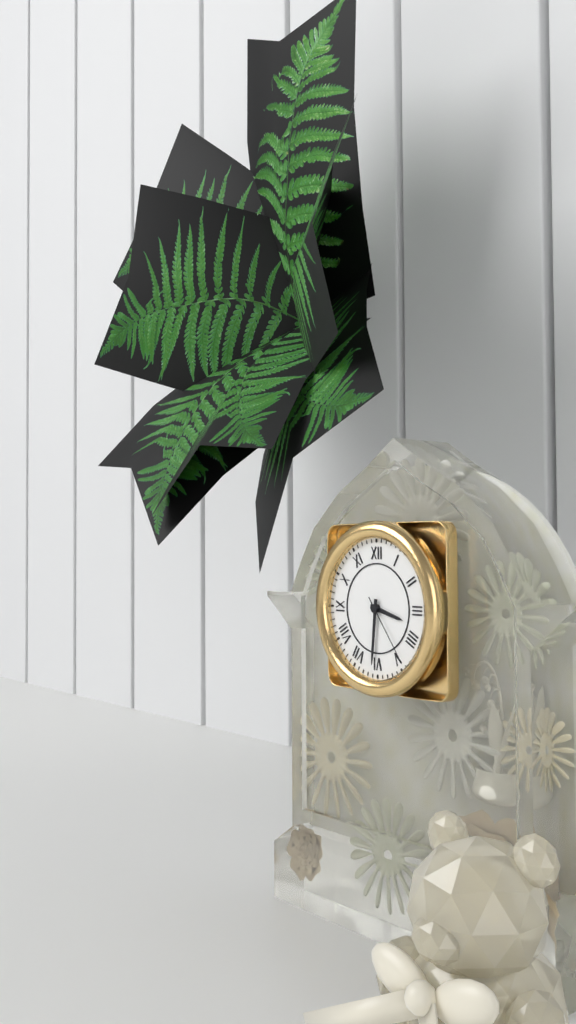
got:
3:31:24
